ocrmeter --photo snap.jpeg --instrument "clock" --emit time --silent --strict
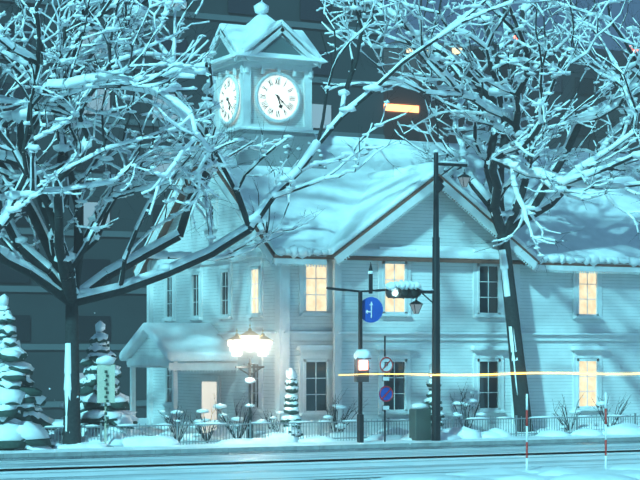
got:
5:22
